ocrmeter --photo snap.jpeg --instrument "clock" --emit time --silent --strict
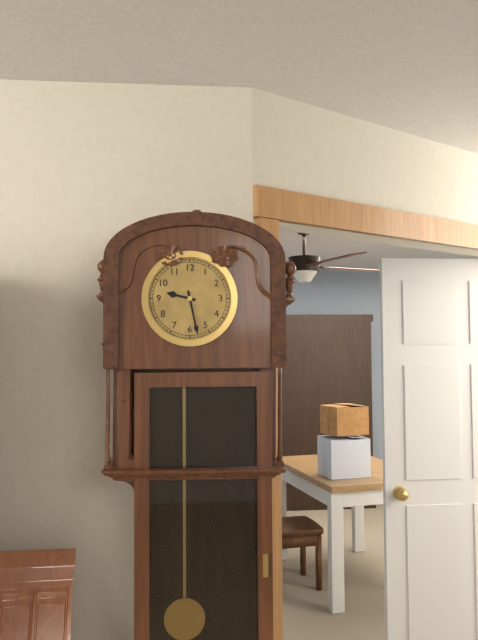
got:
9:28
